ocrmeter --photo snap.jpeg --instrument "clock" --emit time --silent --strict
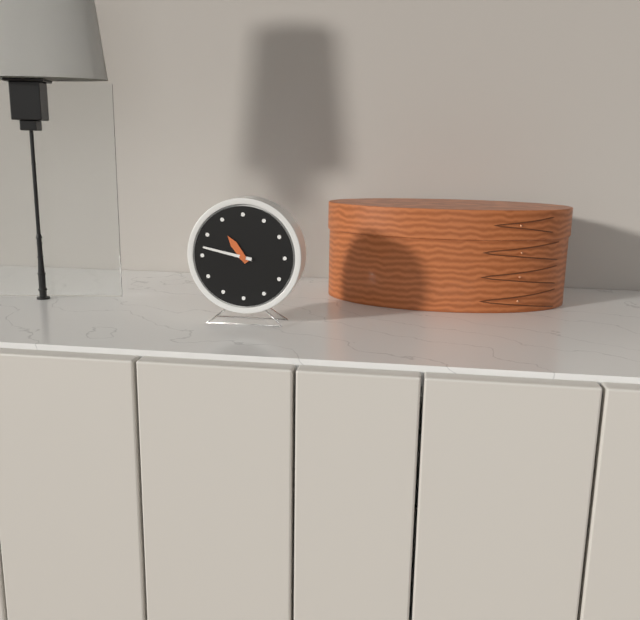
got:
10:47
